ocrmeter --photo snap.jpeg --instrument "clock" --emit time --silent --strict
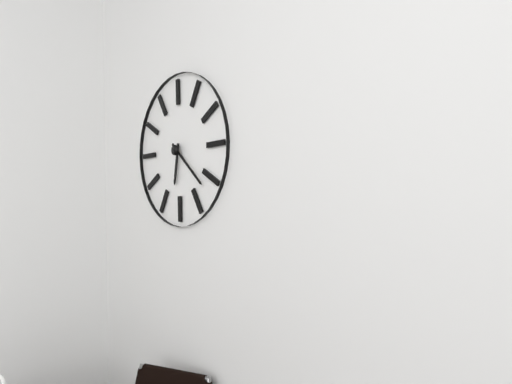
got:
6:22
